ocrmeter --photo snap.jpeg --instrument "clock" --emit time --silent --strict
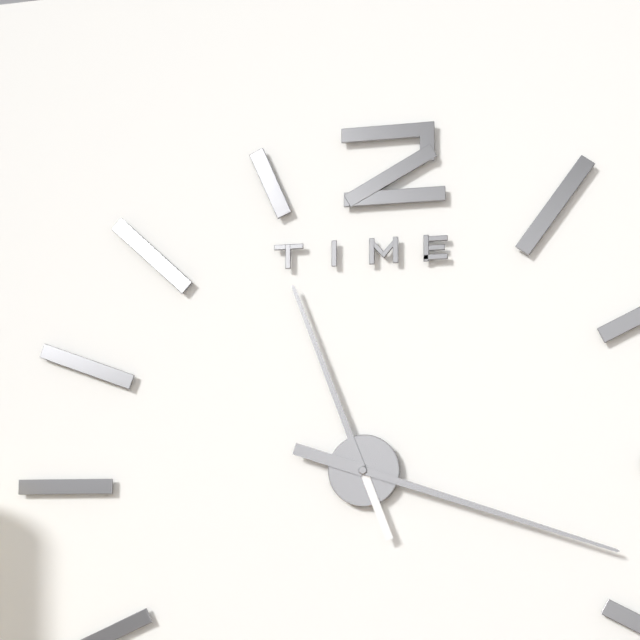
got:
11:18
